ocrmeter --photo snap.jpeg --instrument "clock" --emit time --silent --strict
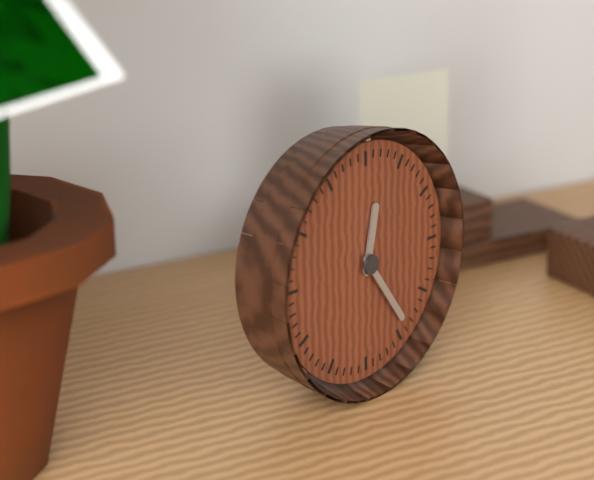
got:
12:24
